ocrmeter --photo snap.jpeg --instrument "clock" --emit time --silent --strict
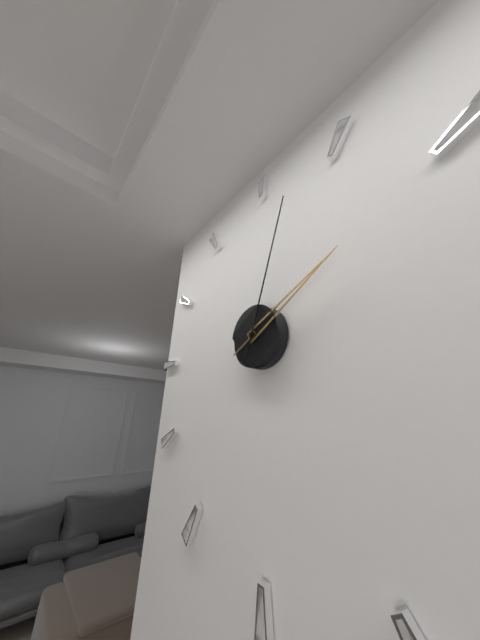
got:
2:03
